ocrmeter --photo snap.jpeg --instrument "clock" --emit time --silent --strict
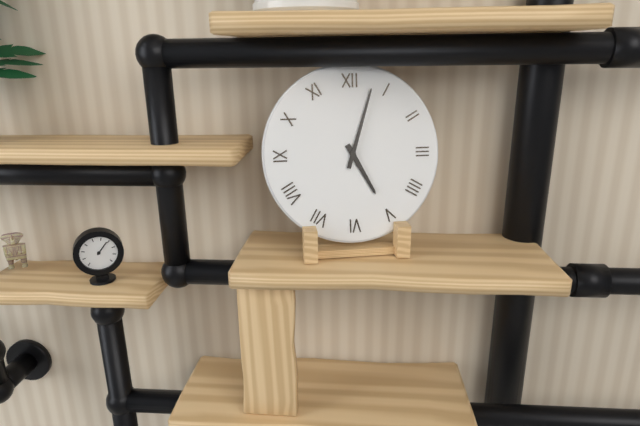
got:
5:03
